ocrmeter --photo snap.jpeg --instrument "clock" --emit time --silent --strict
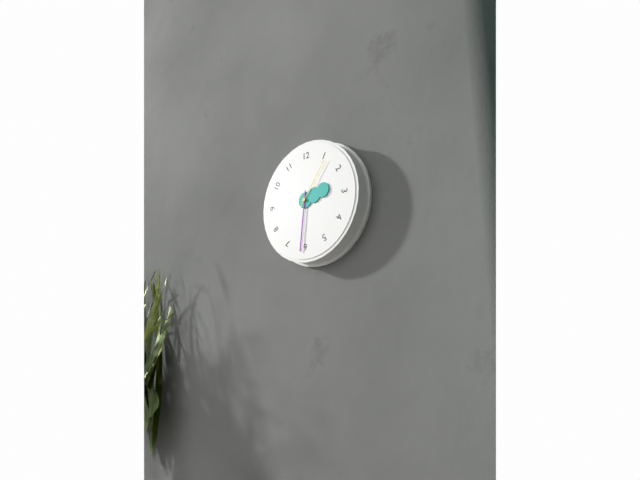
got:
2:31:06
